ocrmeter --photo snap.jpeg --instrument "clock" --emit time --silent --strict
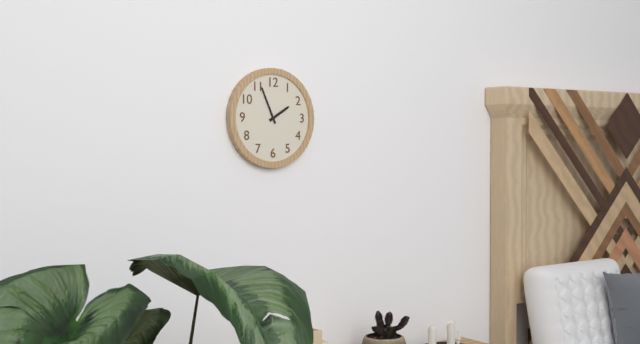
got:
1:56
